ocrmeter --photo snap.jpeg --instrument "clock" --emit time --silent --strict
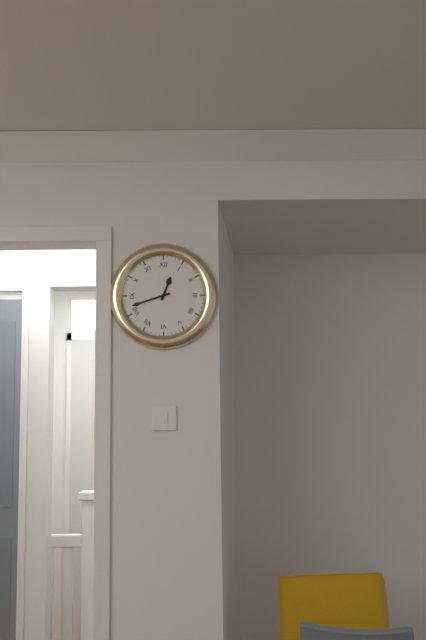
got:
12:42
